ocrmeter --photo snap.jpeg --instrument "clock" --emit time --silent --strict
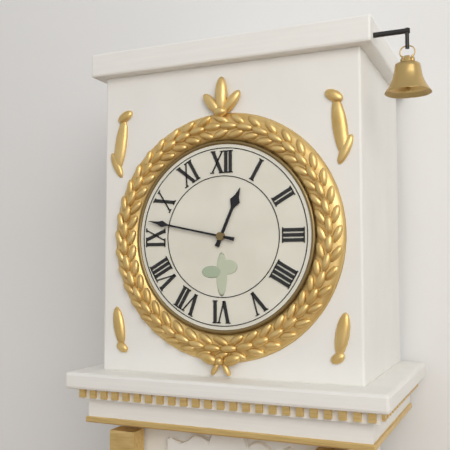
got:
12:47
